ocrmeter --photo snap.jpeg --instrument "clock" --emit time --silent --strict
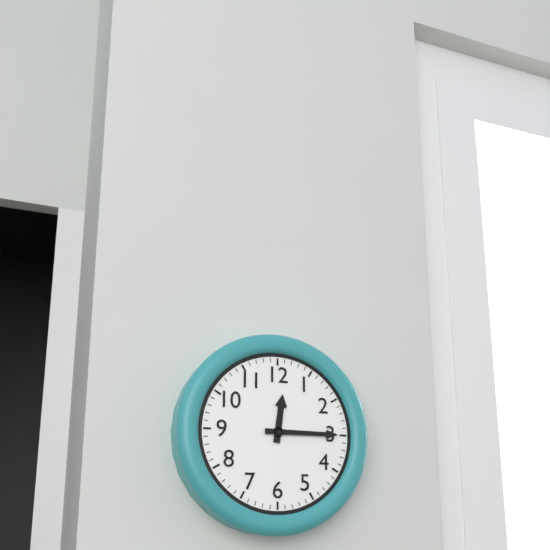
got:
12:15
